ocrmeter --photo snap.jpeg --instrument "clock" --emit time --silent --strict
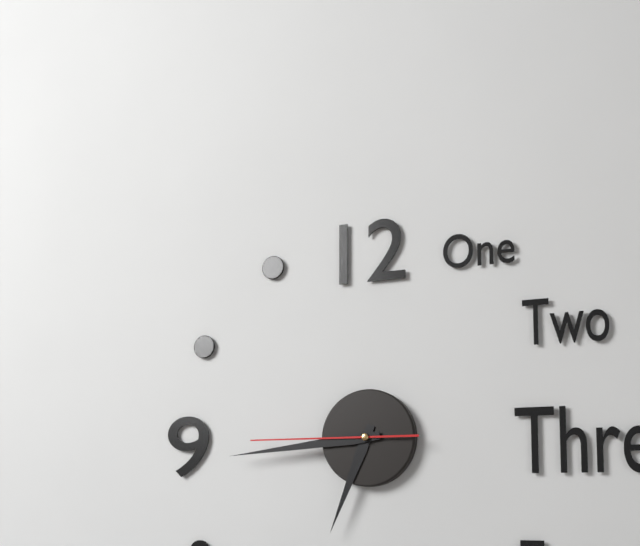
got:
6:44:45
